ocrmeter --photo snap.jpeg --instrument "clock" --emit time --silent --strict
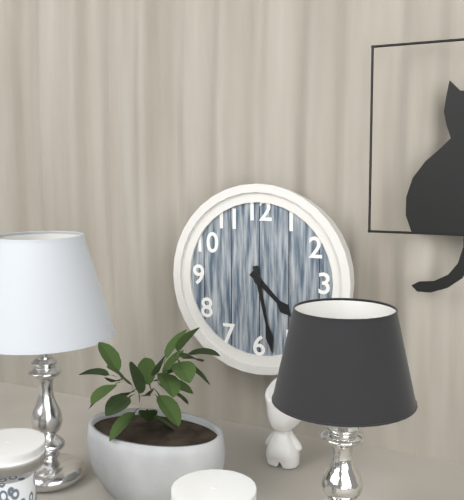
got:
4:28
